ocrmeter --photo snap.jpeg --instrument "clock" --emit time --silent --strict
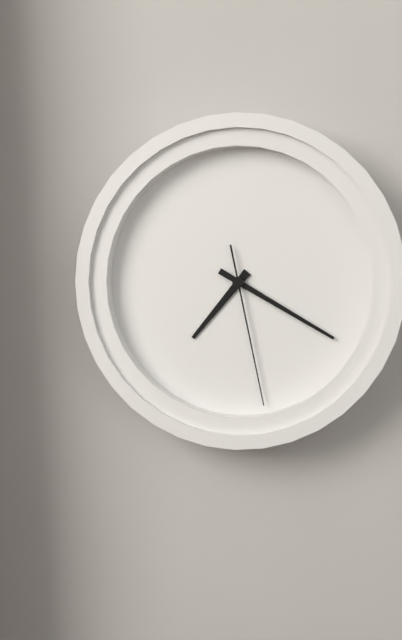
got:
7:20:28
